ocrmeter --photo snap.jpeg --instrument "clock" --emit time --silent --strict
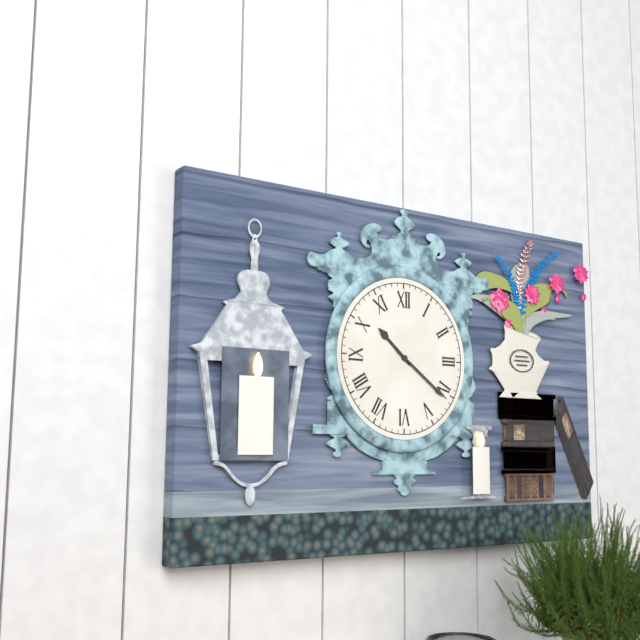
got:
10:21
